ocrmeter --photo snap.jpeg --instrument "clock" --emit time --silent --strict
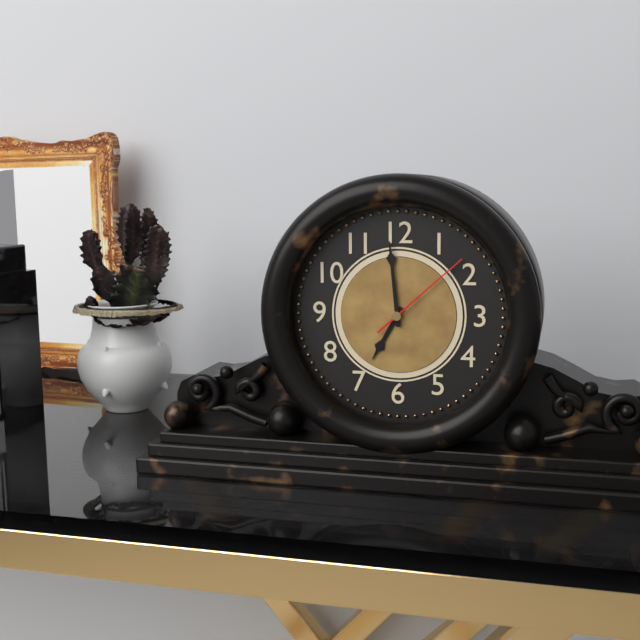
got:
6:59:08
